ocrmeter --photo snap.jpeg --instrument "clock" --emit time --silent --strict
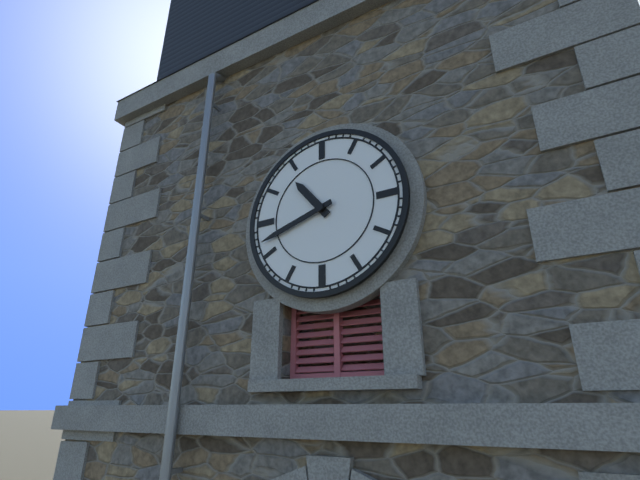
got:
10:42
